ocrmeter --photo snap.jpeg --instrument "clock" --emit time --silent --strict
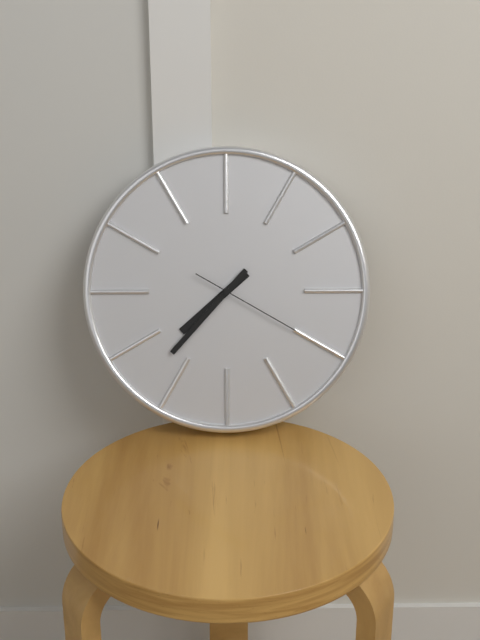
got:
7:37:20
